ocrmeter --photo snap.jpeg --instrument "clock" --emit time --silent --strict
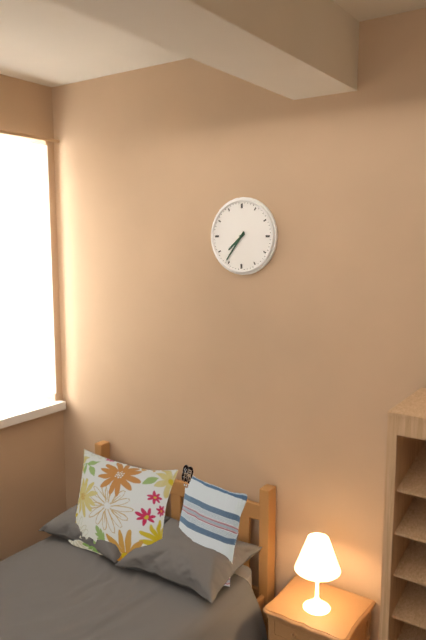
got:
7:36
